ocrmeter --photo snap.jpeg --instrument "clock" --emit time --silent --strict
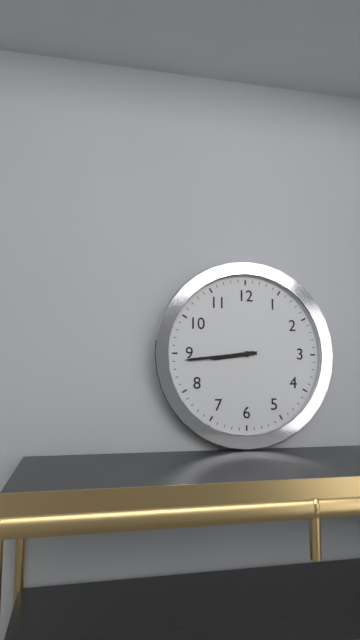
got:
8:44
